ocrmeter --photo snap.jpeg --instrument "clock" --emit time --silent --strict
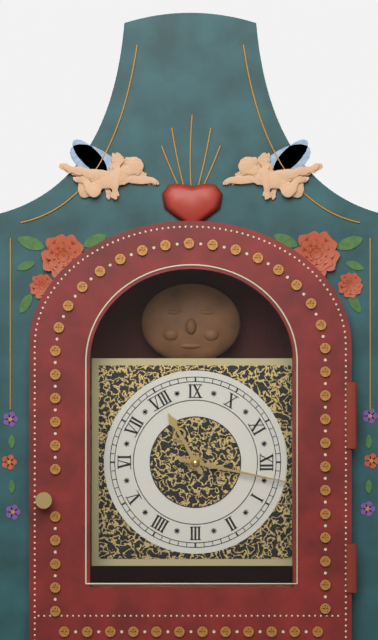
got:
8:02
